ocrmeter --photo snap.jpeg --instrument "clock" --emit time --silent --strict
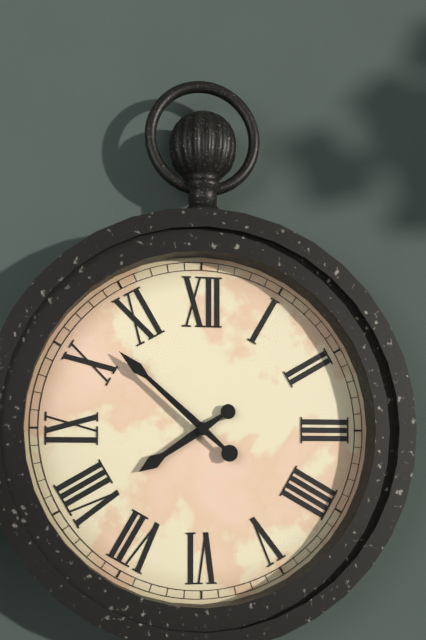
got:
7:52
